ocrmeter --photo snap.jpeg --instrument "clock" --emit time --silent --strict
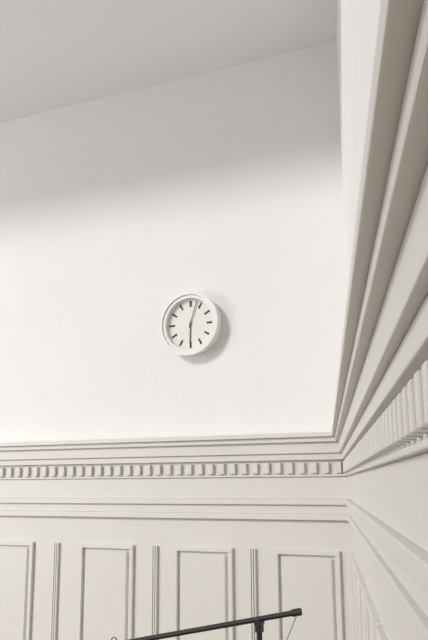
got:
6:03
